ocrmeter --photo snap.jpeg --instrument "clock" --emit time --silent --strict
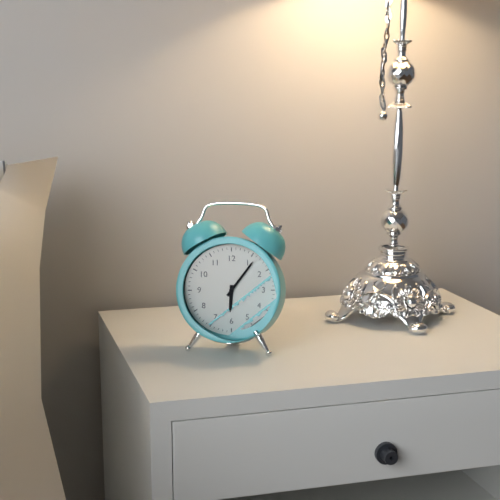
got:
6:06
